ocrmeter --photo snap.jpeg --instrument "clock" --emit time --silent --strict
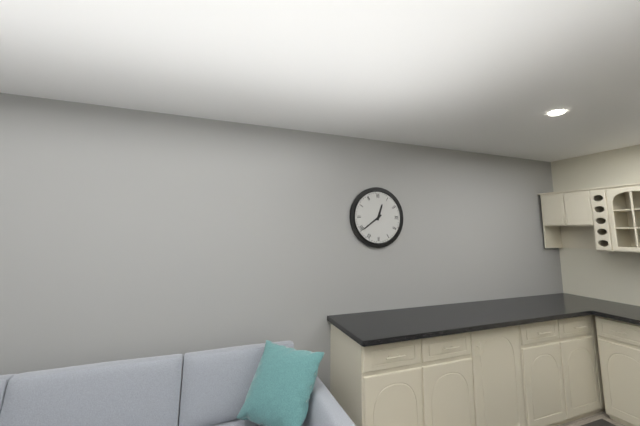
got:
12:39
